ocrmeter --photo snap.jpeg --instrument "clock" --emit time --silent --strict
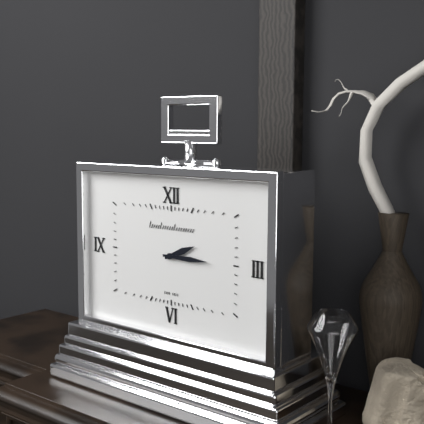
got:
2:15
